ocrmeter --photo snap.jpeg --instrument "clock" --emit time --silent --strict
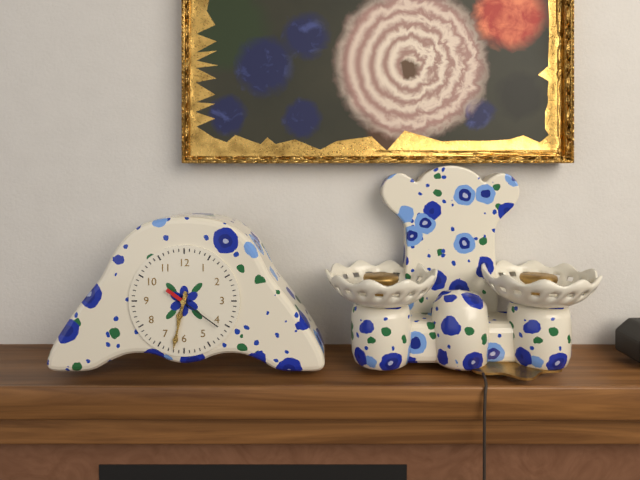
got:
6:32:21
